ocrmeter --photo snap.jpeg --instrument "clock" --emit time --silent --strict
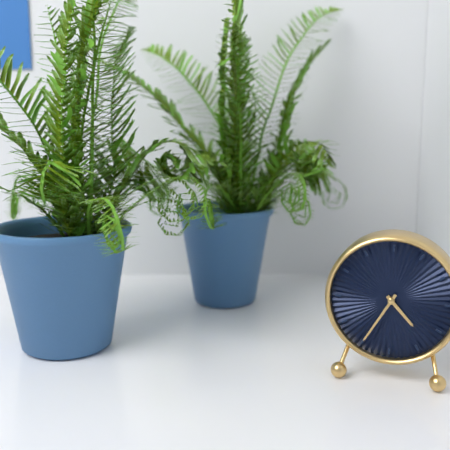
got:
4:35
